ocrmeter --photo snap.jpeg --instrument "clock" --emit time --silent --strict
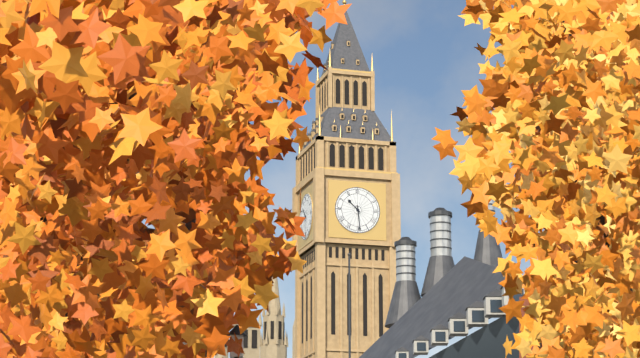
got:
10:29
